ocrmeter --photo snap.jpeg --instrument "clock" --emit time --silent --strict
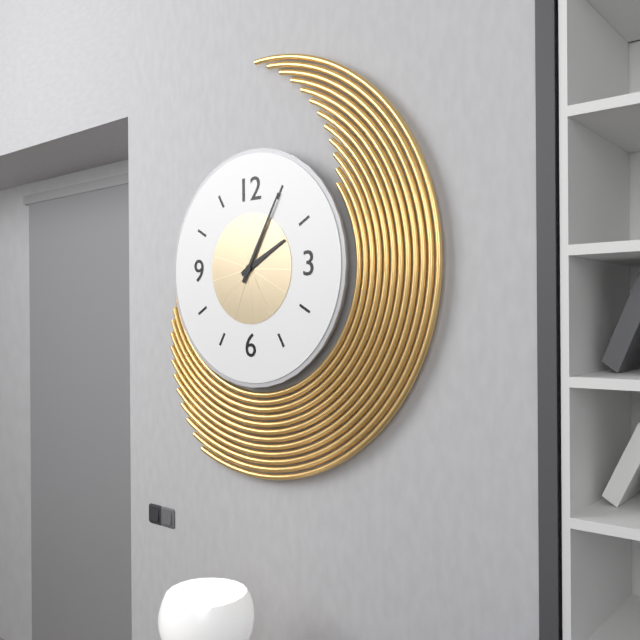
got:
2:05
